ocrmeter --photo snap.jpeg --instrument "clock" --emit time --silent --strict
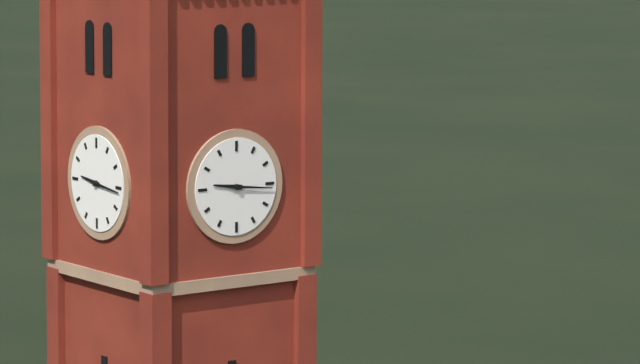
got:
9:16
